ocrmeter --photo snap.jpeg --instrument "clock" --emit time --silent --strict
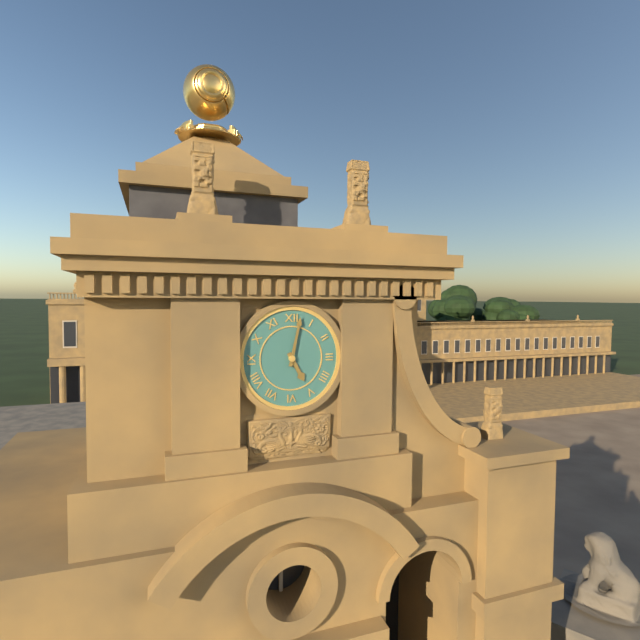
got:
5:02
